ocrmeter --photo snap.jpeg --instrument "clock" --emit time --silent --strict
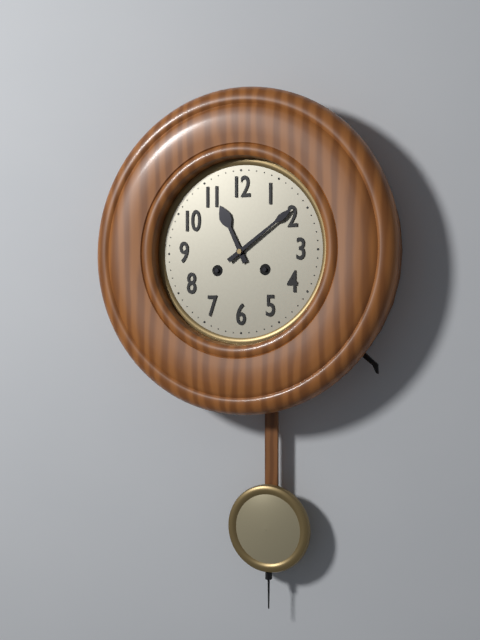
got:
11:09
